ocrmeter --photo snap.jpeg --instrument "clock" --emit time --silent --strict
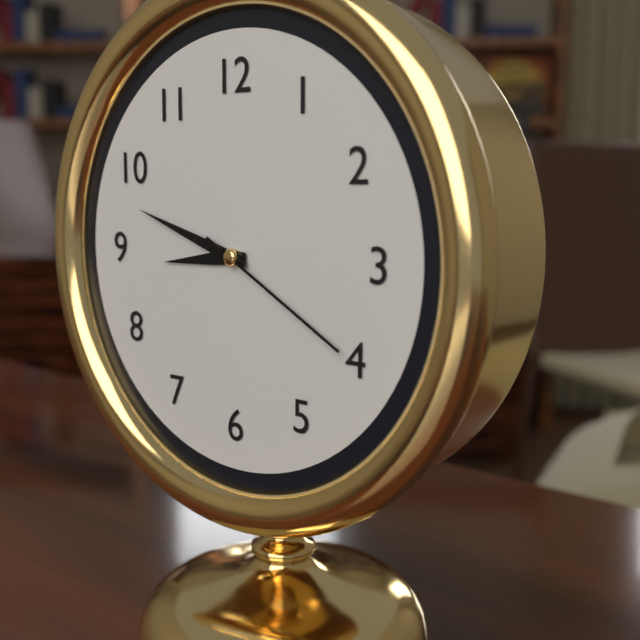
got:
8:48:20
